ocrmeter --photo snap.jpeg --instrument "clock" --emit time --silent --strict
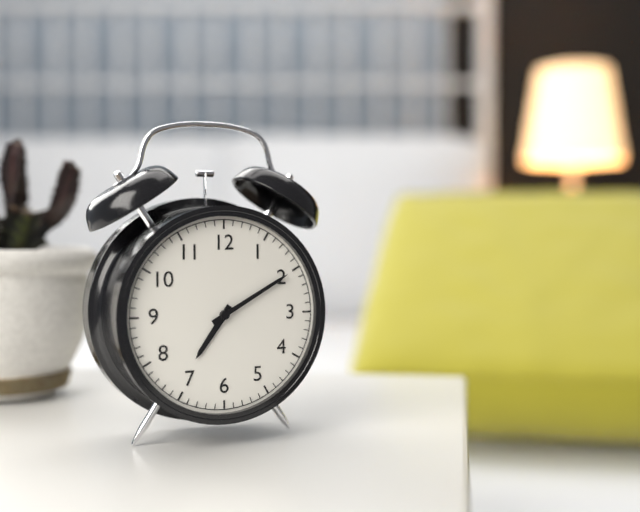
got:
7:10
